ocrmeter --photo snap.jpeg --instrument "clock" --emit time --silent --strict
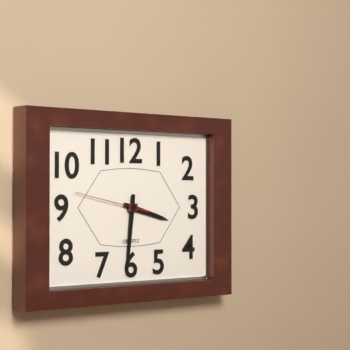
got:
3:31:47
